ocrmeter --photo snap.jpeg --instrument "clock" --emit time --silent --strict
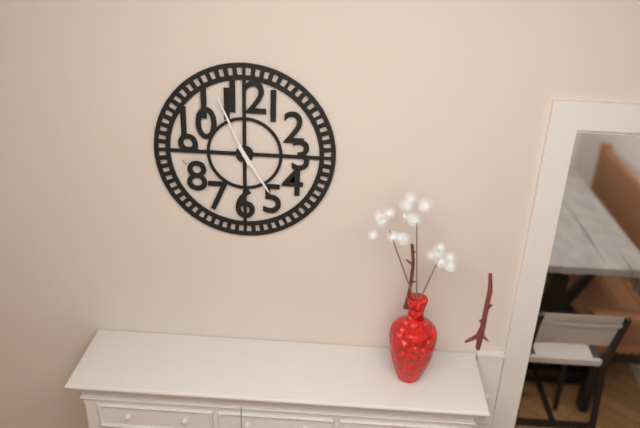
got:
4:56
